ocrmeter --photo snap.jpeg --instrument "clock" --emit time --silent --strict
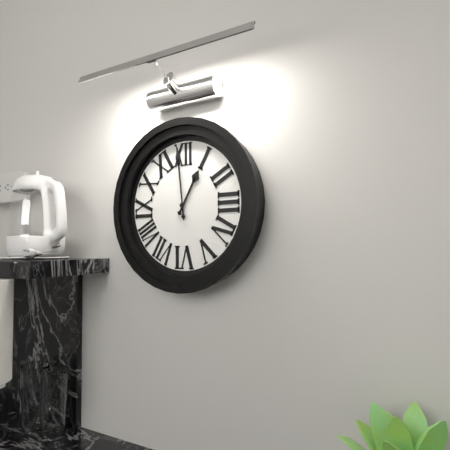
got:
12:59
